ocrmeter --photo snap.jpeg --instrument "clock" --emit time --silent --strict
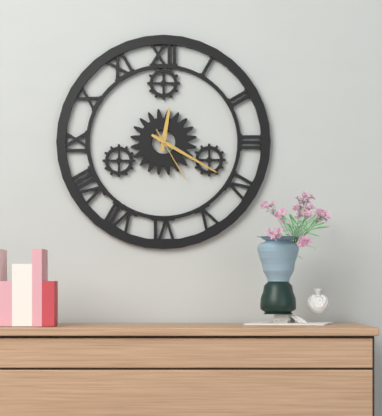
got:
12:20:25
